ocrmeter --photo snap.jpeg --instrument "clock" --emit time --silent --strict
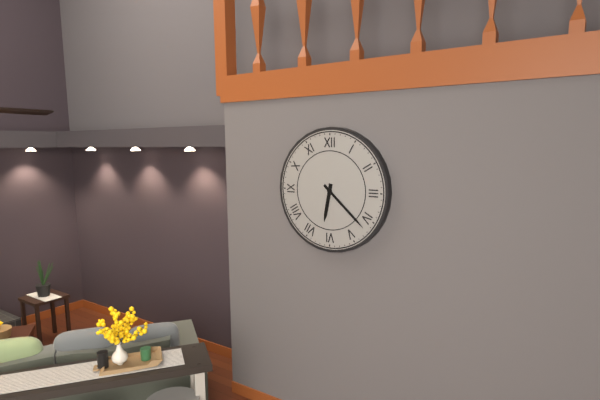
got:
6:22
